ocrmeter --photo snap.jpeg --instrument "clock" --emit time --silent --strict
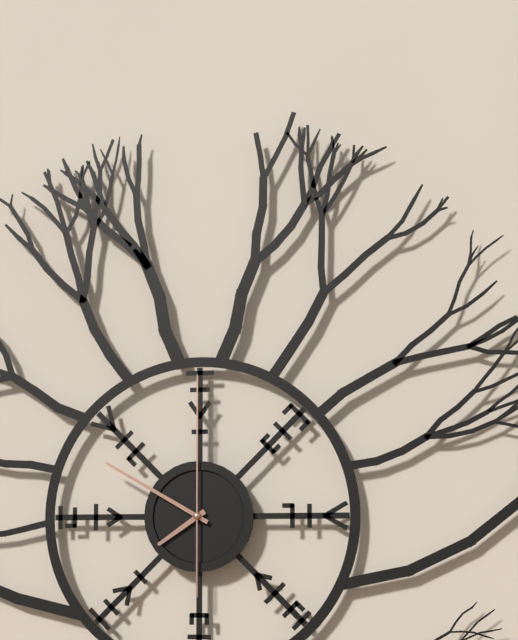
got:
7:50:00
